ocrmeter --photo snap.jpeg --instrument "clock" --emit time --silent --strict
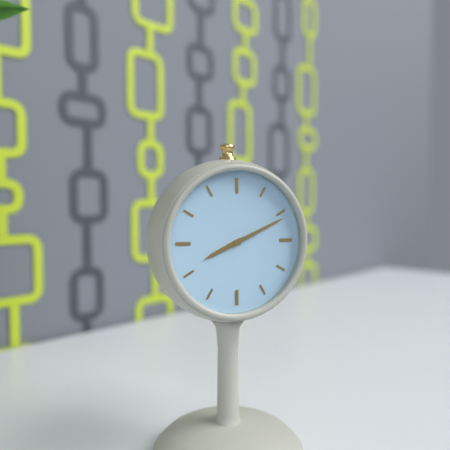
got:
8:11
